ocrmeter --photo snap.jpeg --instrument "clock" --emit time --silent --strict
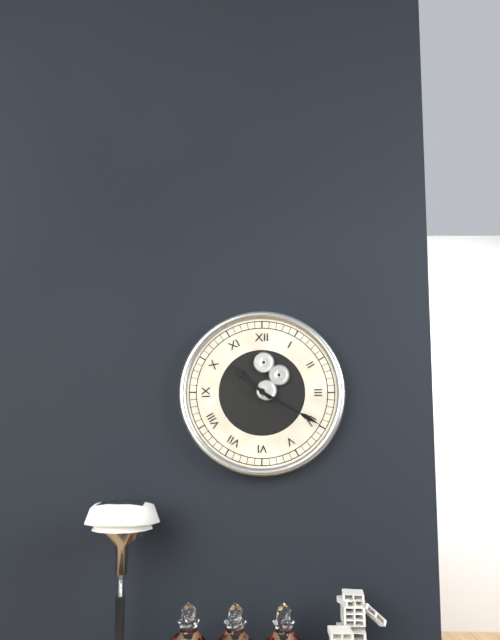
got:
10:20
